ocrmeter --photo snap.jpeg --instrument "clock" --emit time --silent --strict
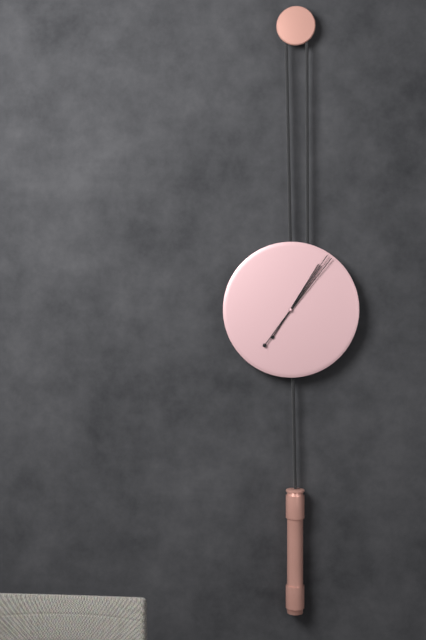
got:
1:06
